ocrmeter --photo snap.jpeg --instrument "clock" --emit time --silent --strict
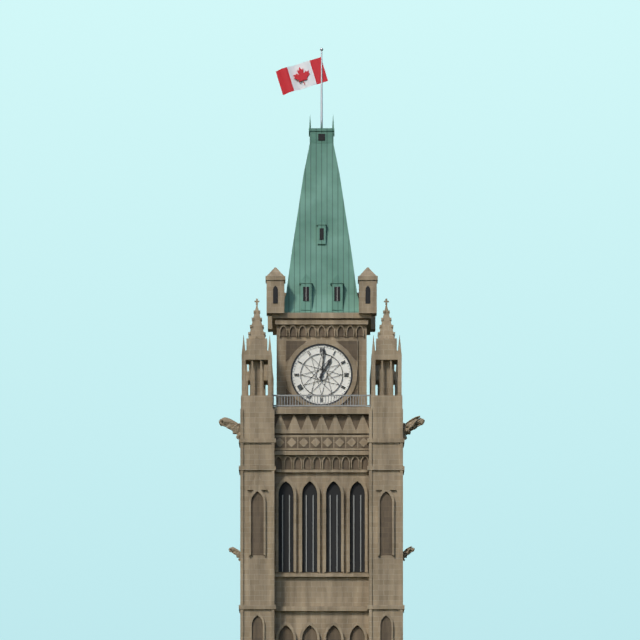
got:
1:01
